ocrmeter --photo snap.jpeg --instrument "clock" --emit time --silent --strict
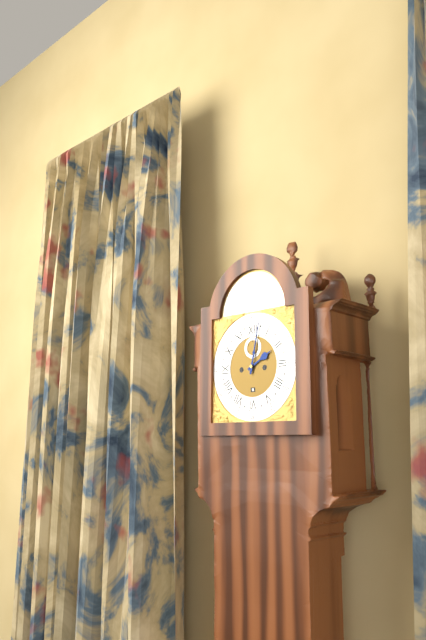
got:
2:02
